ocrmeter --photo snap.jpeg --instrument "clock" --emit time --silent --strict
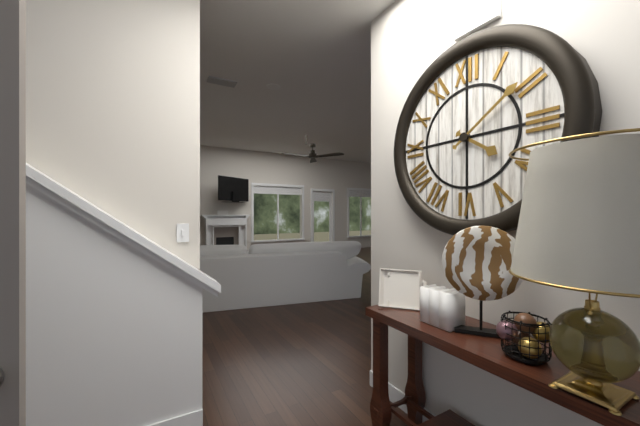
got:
4:09
